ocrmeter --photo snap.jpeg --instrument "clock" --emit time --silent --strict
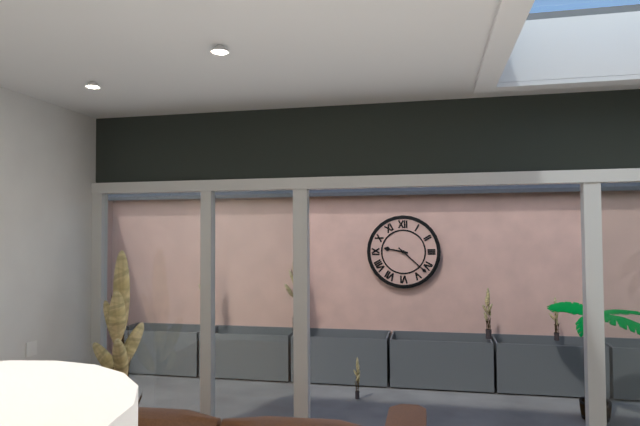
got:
9:22
